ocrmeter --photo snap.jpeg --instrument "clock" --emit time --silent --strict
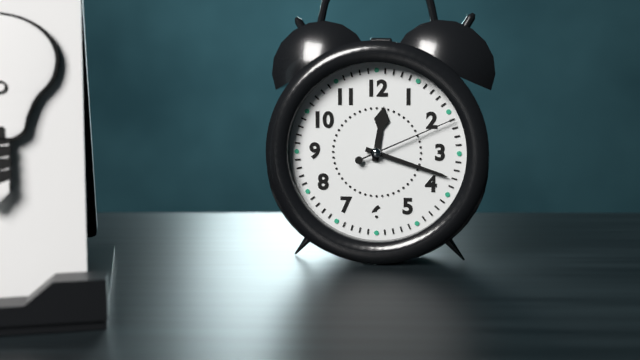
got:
12:18:11
